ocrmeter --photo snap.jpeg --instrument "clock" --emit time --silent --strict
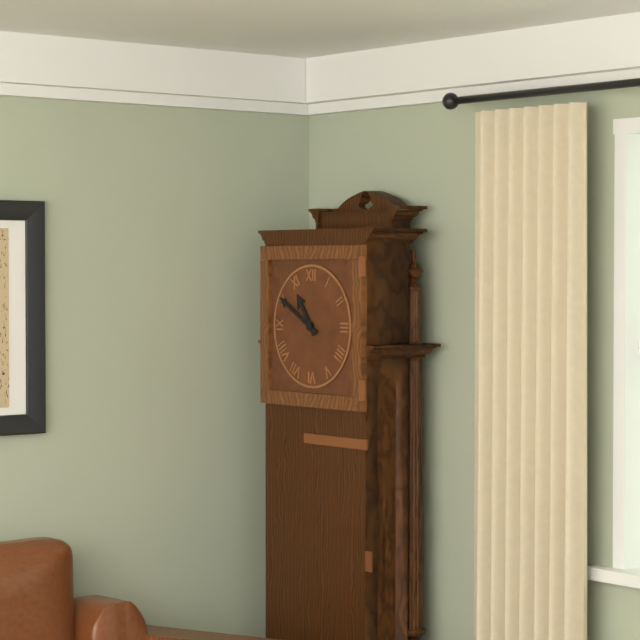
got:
10:50
